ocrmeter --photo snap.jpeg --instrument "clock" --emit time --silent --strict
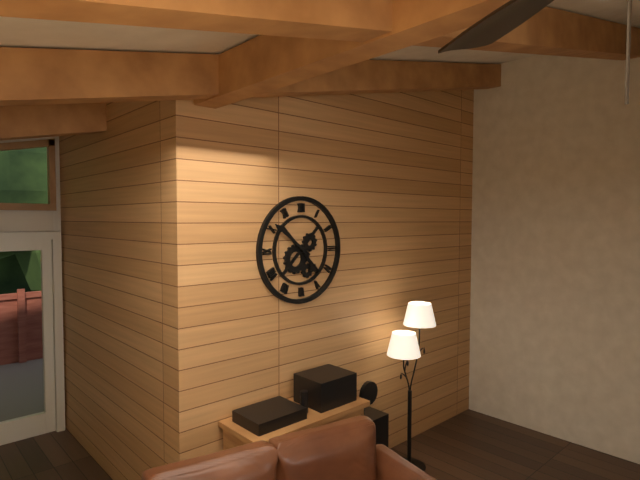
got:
4:51
